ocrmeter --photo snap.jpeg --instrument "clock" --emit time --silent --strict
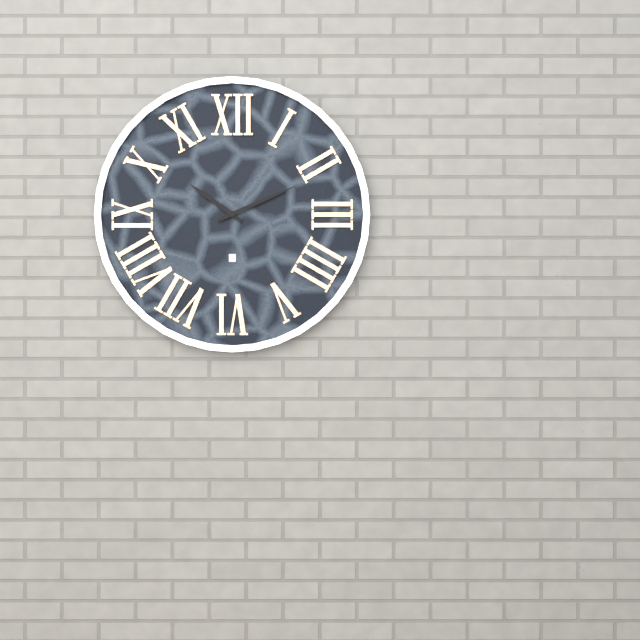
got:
10:11
